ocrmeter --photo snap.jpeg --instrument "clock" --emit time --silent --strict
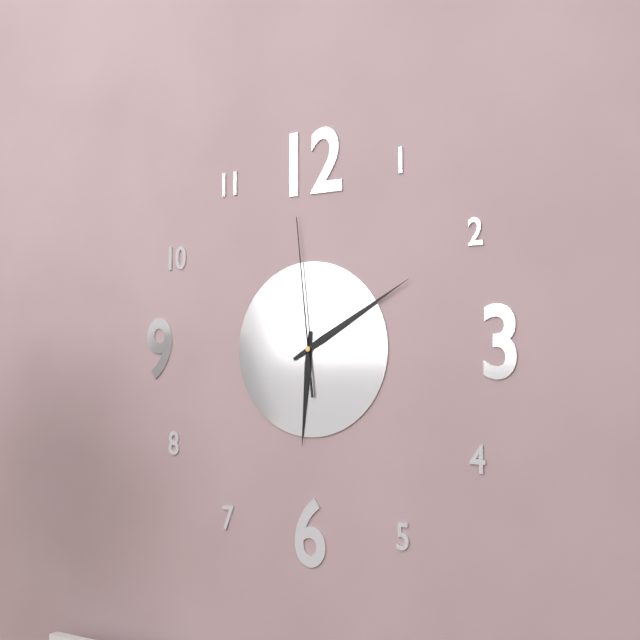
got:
6:10:59
